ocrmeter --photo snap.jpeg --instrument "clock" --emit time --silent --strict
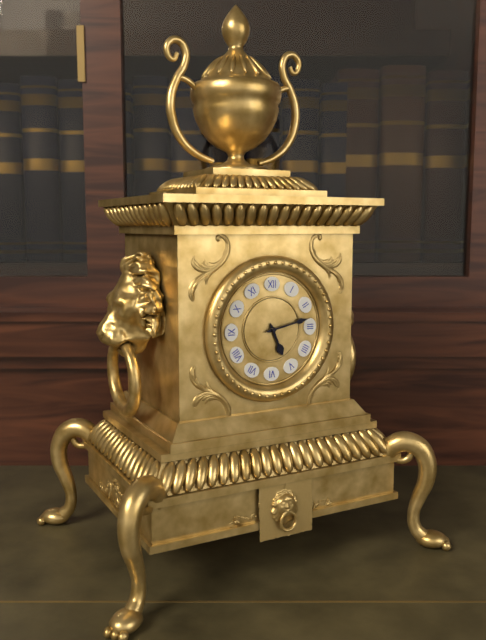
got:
5:13
